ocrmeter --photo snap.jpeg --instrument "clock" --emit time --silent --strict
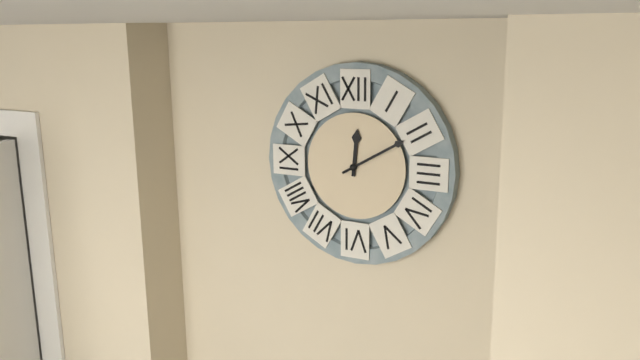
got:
12:10
